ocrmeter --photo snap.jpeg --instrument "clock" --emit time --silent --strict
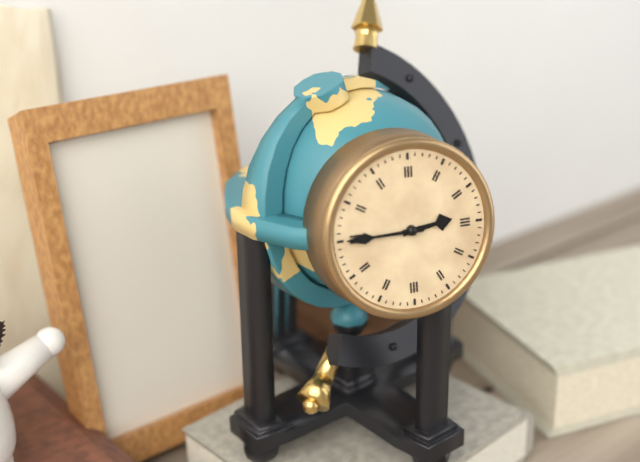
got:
2:45
